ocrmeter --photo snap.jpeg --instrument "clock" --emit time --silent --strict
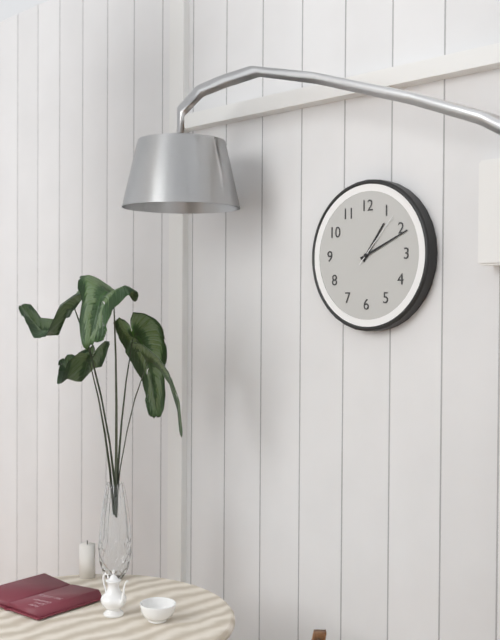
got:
1:11:07
